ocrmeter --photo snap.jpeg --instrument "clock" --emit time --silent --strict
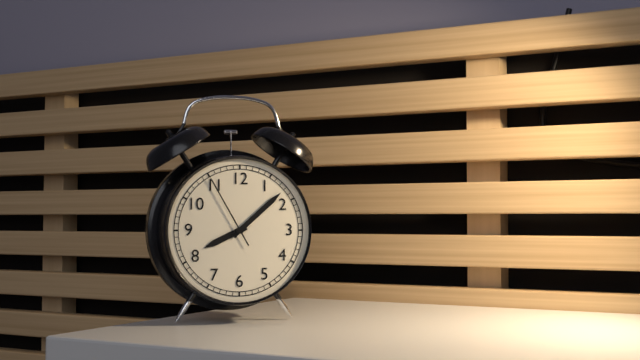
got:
8:08:55
